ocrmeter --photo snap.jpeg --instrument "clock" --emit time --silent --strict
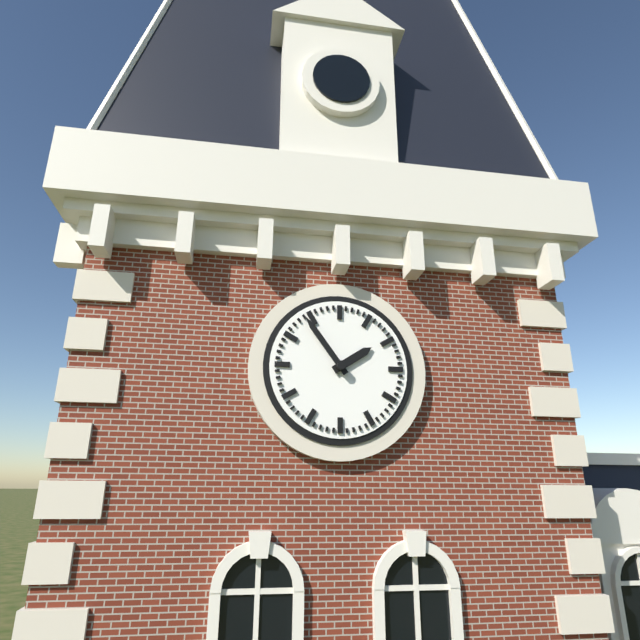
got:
1:54
